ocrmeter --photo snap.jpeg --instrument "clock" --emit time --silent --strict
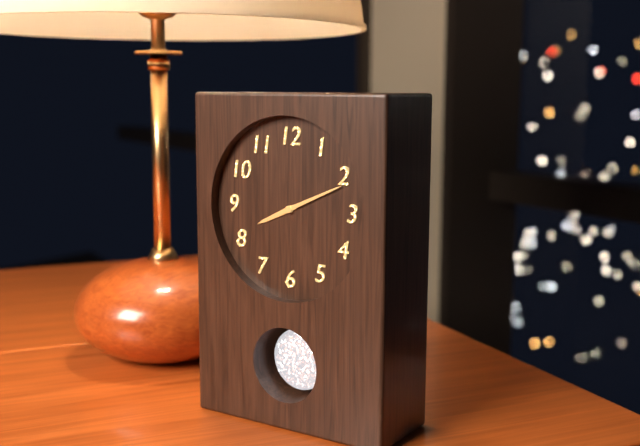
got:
8:11
